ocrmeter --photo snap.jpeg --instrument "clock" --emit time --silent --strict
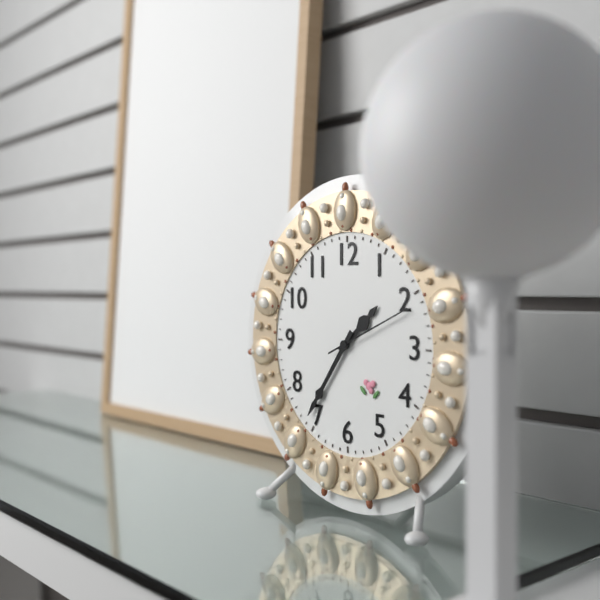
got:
1:36:11
